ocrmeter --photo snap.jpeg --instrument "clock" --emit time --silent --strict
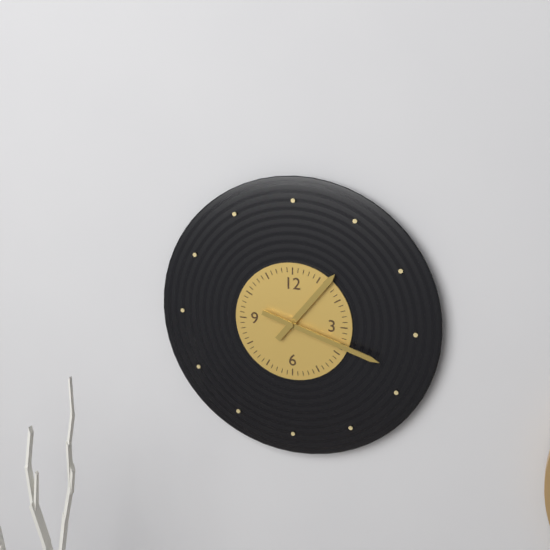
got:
1:18
